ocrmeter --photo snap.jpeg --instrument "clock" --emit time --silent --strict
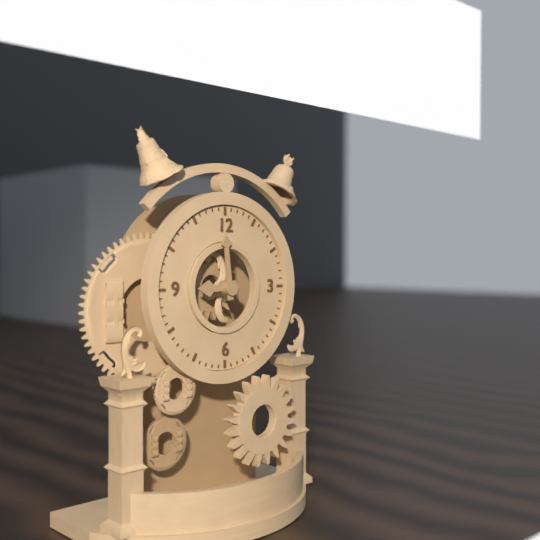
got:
8:59
